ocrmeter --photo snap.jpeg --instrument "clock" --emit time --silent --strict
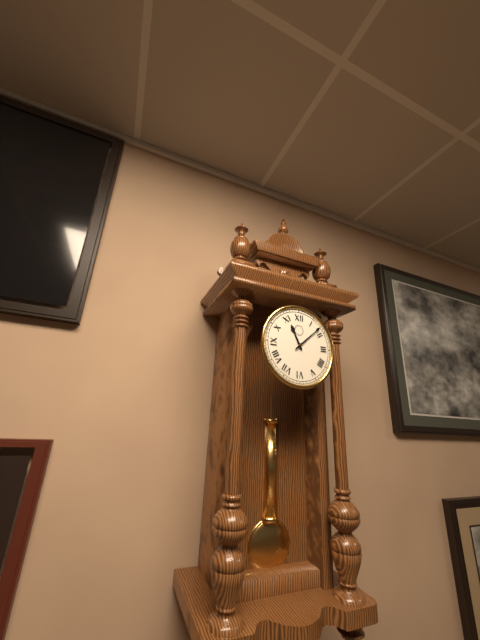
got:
11:08
